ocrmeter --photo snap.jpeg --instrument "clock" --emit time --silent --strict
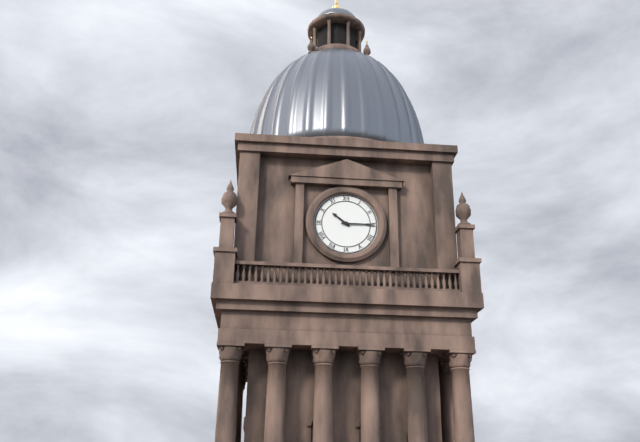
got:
10:15
